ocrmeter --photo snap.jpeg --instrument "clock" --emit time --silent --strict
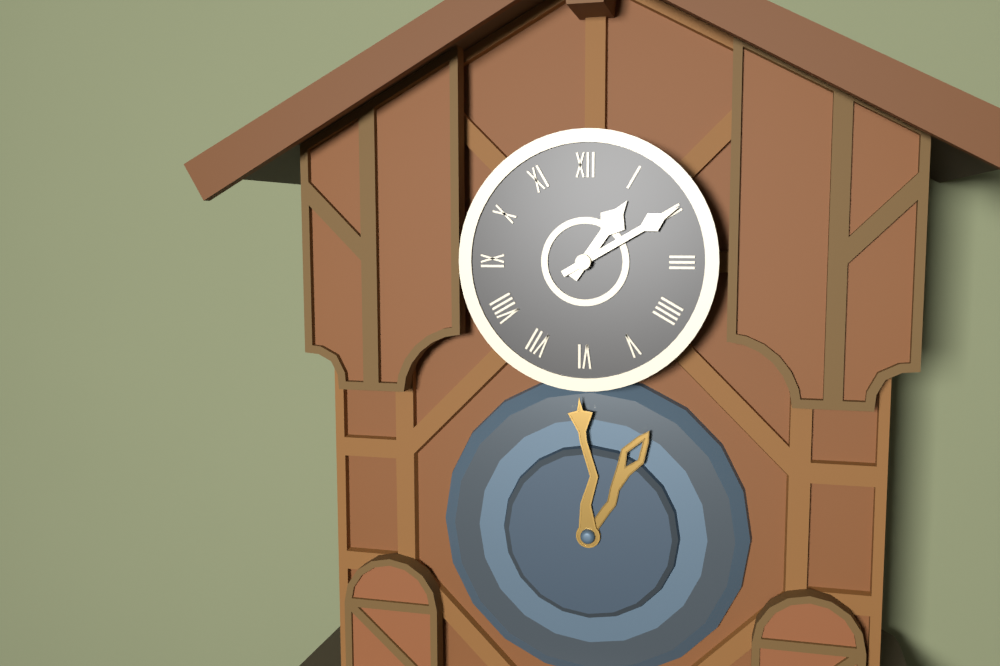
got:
1:10
